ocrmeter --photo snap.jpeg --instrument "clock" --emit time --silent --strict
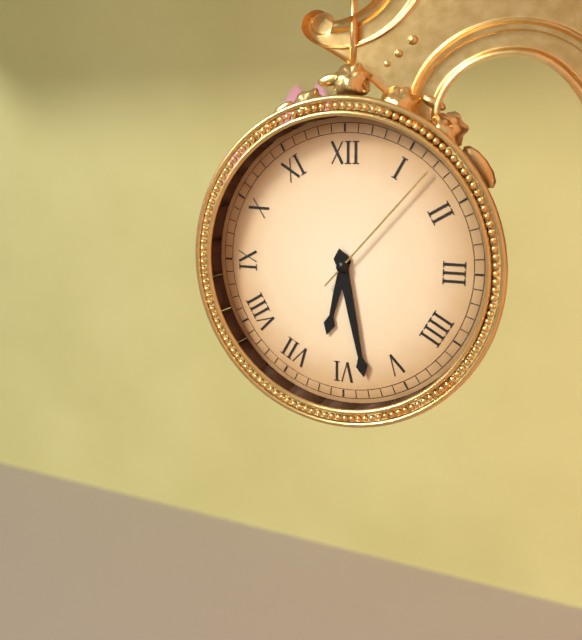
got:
6:28:07
